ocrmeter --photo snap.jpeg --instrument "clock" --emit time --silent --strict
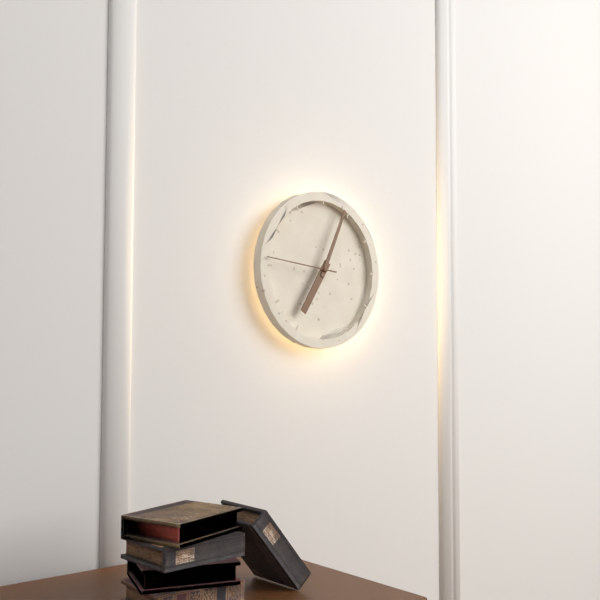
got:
7:04:46
